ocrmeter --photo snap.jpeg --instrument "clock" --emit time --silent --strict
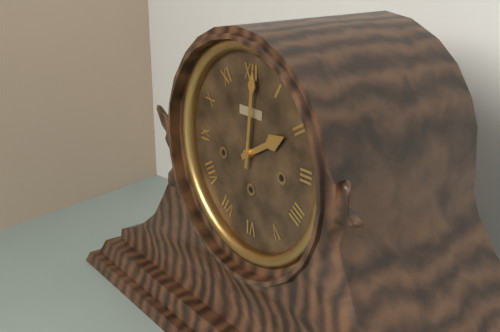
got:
2:01
